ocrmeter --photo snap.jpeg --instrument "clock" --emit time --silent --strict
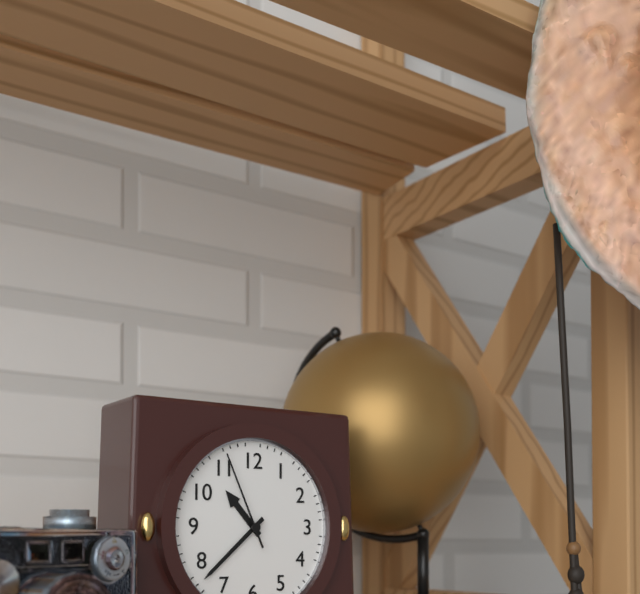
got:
10:38:56
